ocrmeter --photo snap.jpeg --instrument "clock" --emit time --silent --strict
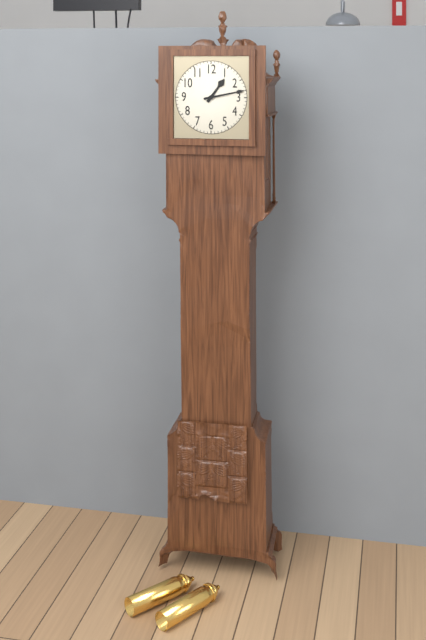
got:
1:13
